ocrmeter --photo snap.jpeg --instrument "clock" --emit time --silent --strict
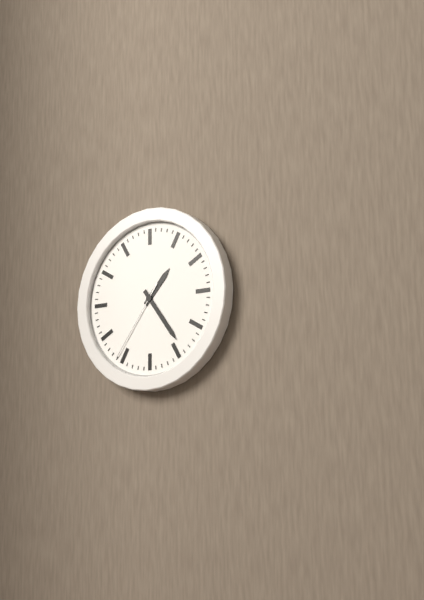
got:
1:24:36
